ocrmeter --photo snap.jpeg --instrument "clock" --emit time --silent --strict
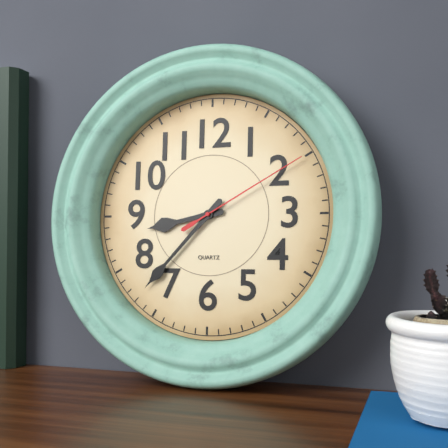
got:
8:37:10
